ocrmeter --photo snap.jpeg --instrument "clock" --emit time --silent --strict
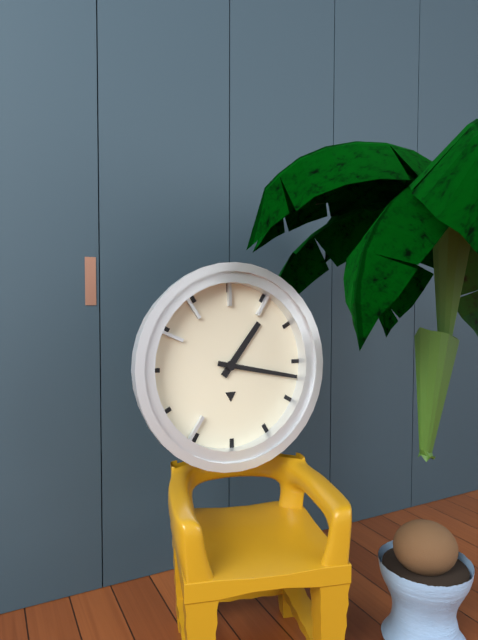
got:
1:17
